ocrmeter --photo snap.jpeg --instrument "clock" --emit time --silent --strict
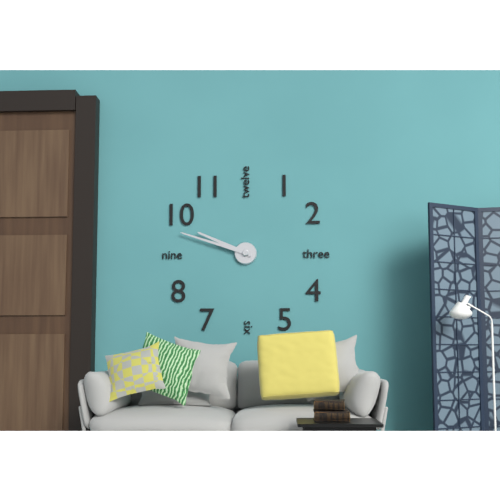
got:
9:48
